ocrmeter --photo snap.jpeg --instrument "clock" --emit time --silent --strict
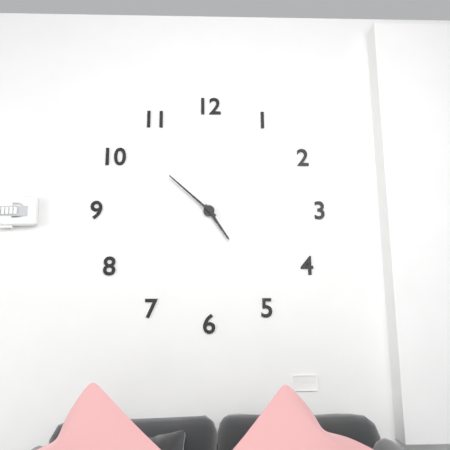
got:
4:52
